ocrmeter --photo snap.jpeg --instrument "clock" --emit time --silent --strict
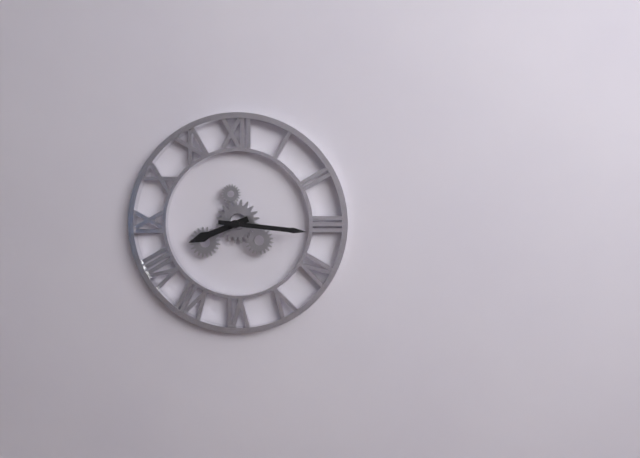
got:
8:16
